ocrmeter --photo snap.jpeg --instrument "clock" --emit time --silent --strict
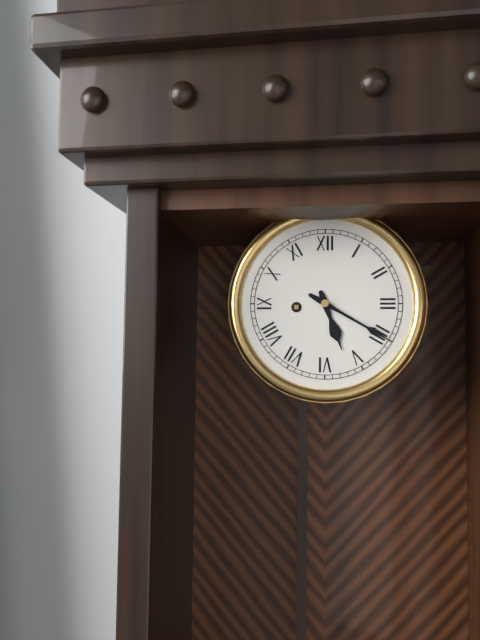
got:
5:20
